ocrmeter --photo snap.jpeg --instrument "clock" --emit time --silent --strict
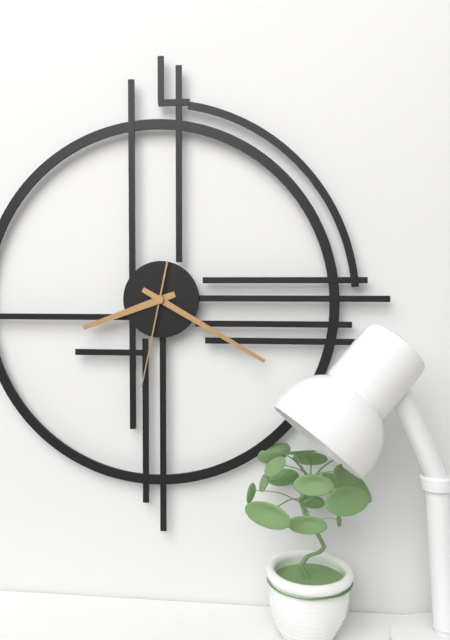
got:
8:20:32
